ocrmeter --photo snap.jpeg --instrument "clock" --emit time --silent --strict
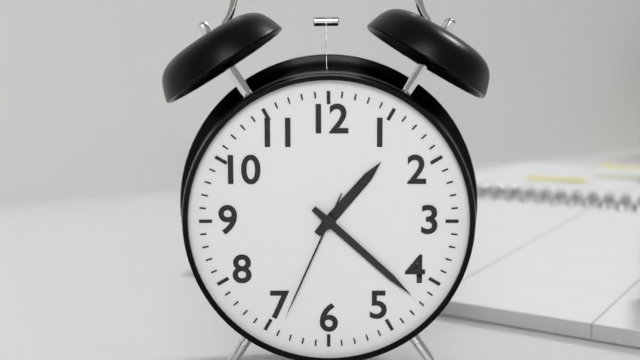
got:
1:22:34
